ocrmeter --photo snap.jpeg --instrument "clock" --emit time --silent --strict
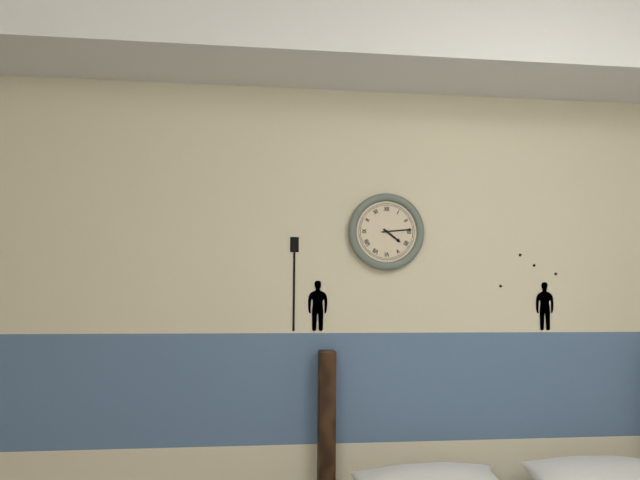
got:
4:14
